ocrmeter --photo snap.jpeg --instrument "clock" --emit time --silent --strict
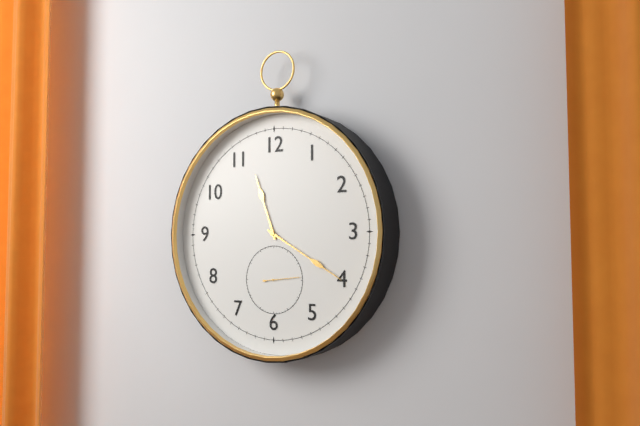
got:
11:20
